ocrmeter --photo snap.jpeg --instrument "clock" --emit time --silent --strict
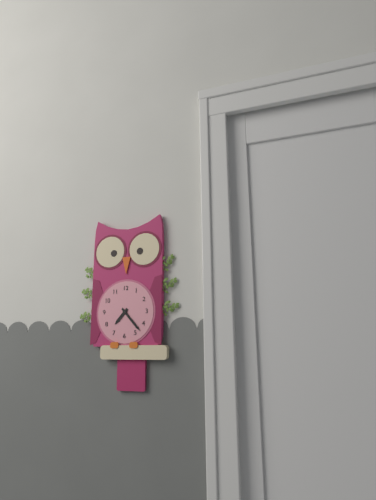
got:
7:23
